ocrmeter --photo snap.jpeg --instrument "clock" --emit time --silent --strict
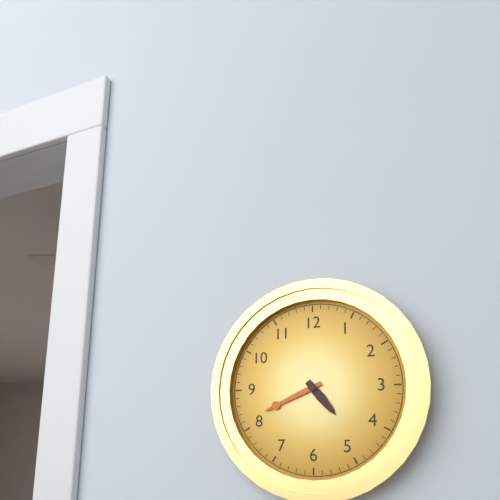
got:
4:41
